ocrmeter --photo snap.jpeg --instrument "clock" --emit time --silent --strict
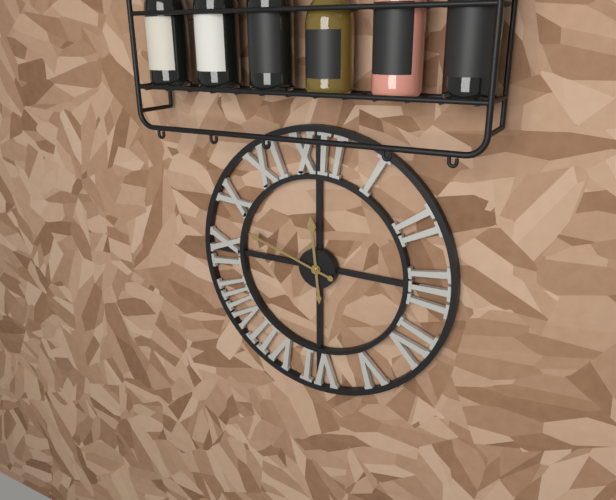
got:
11:48
